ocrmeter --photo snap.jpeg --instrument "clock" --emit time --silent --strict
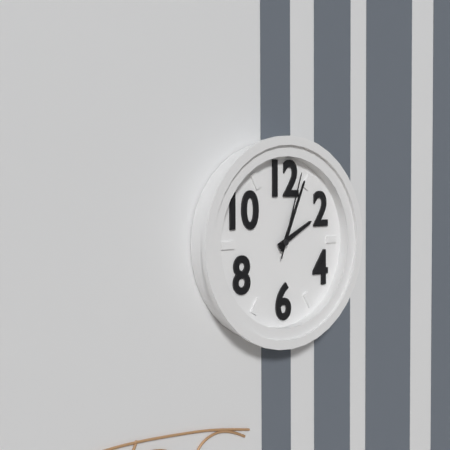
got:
2:04:03
